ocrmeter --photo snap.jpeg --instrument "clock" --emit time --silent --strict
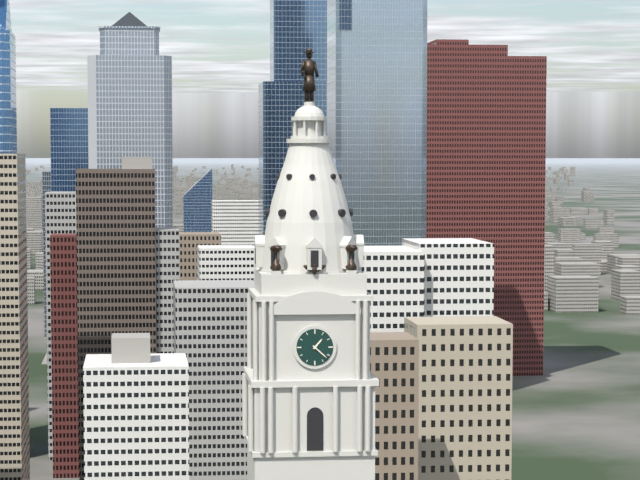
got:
1:22
